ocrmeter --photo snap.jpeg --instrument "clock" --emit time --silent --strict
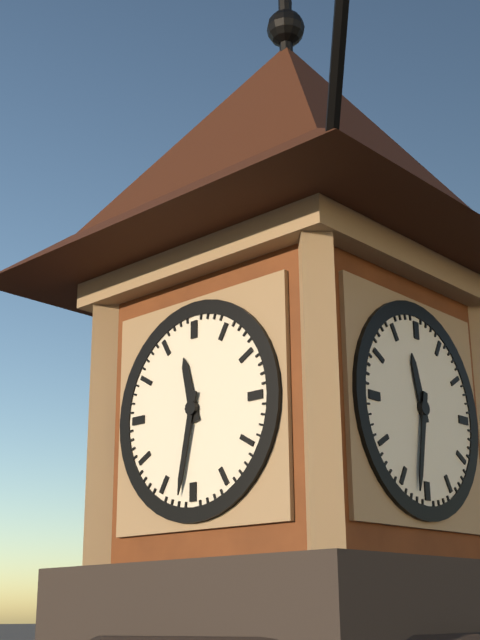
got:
11:32
